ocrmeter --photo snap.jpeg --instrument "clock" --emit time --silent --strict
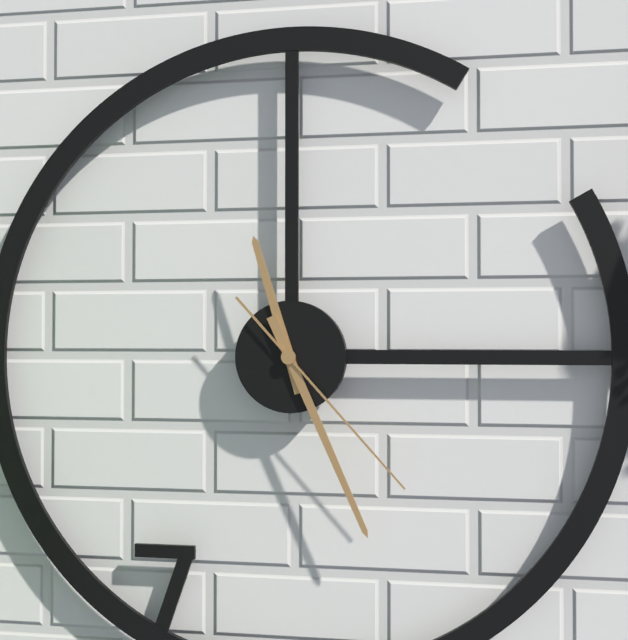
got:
11:26:23
